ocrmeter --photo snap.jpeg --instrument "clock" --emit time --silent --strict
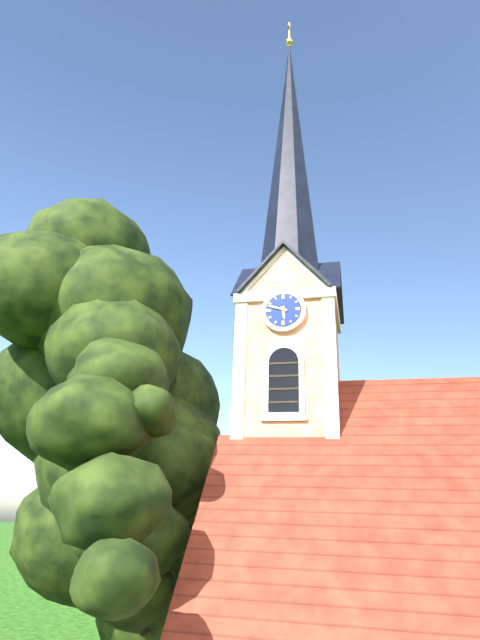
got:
5:48
